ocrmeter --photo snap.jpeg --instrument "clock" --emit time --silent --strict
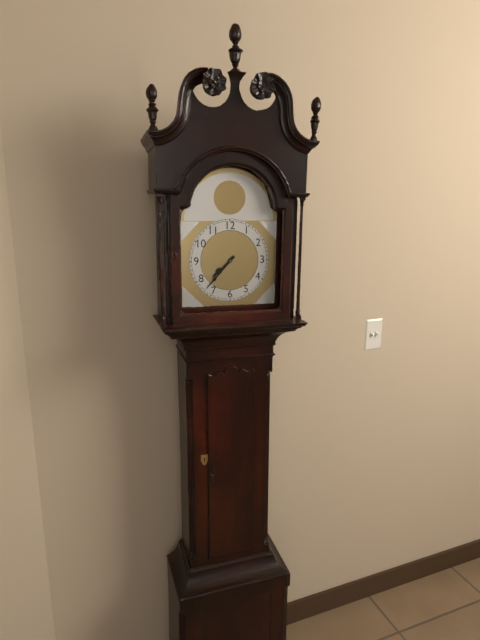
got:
7:37
